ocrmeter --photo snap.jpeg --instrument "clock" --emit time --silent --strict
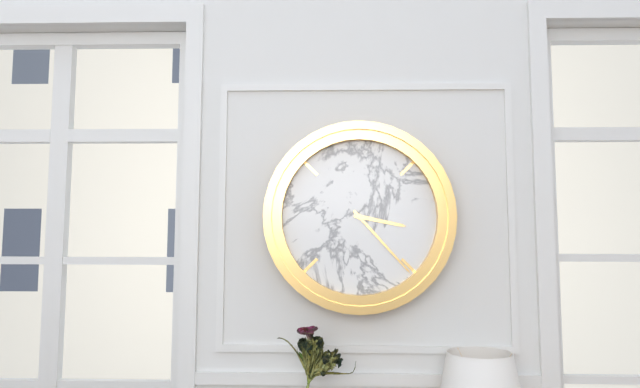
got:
3:23
